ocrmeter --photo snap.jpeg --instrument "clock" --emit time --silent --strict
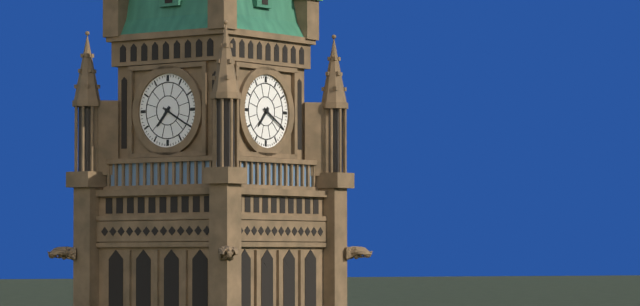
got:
7:20
